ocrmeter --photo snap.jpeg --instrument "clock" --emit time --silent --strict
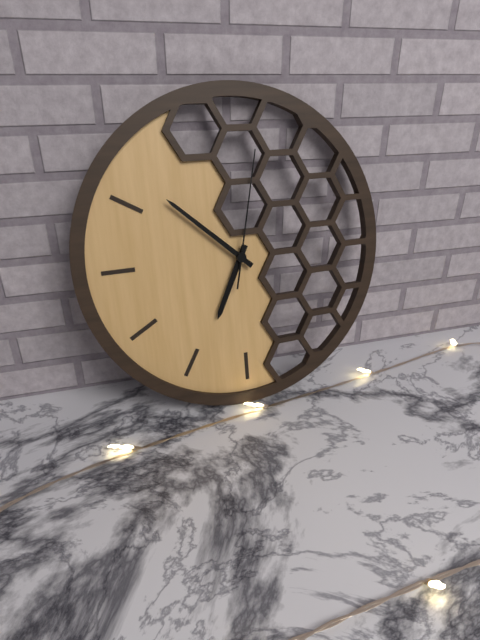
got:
6:52:02
